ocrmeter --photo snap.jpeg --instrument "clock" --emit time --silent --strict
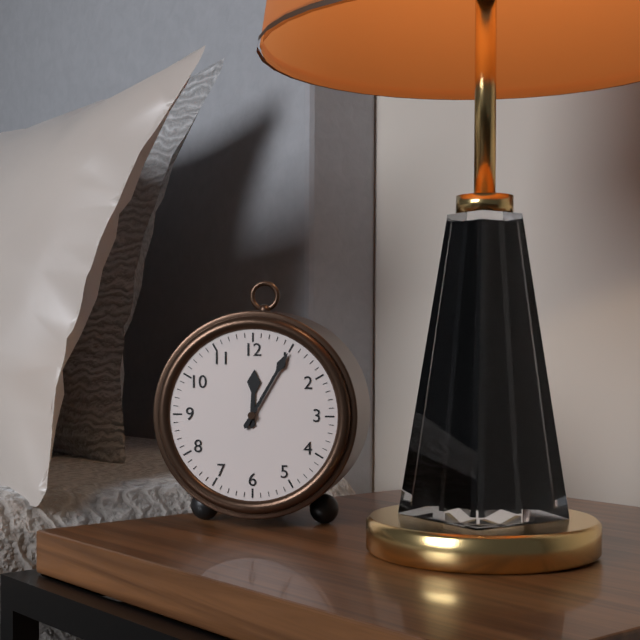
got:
12:05
